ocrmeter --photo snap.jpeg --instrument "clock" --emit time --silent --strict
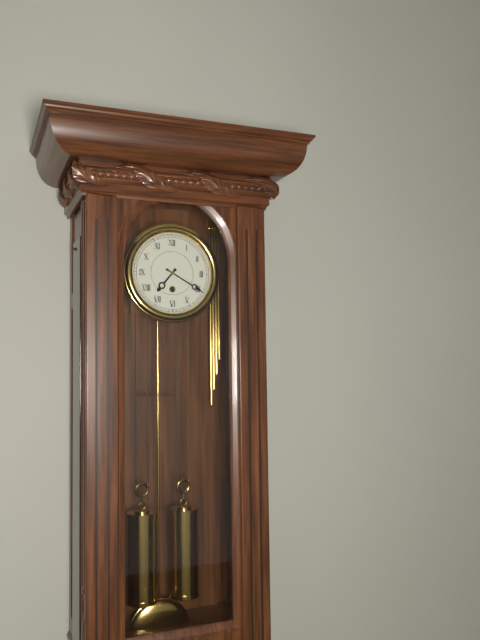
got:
7:20
